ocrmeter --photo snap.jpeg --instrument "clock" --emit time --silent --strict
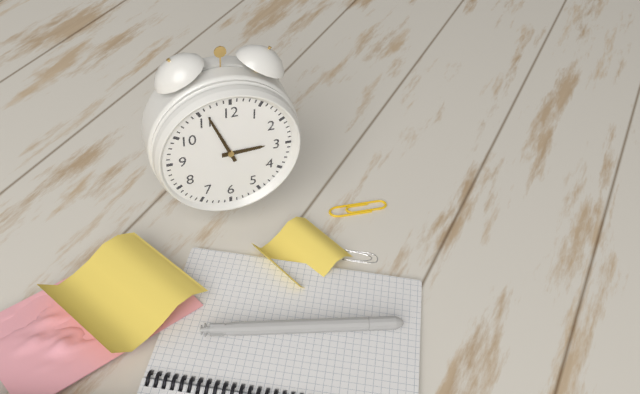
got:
2:56
